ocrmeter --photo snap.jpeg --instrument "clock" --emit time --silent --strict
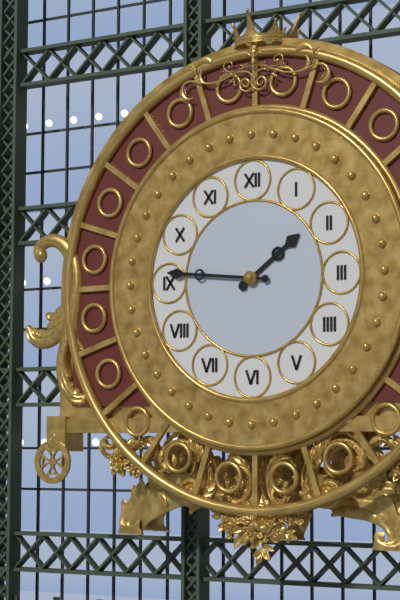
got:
1:46
